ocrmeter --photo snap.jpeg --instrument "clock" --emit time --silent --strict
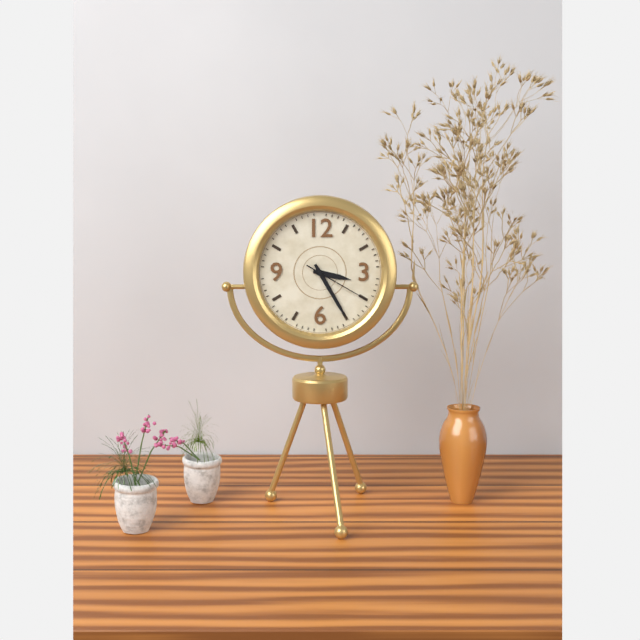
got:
3:25:20
